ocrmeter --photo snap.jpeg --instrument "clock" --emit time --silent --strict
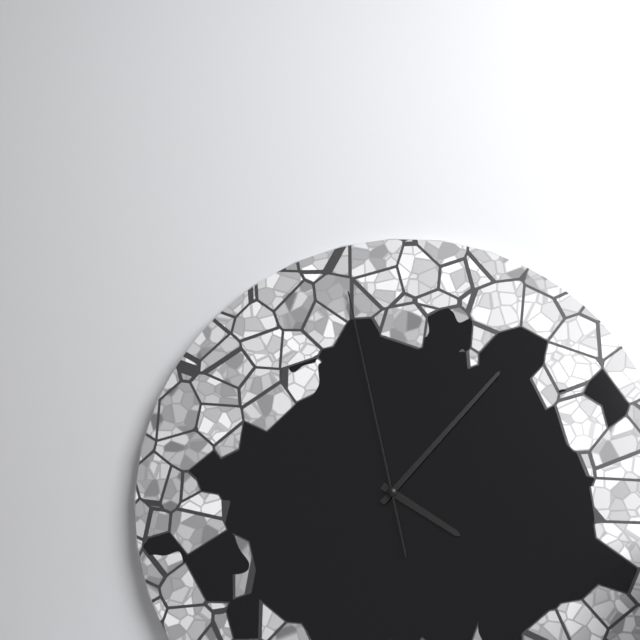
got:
4:07:58
